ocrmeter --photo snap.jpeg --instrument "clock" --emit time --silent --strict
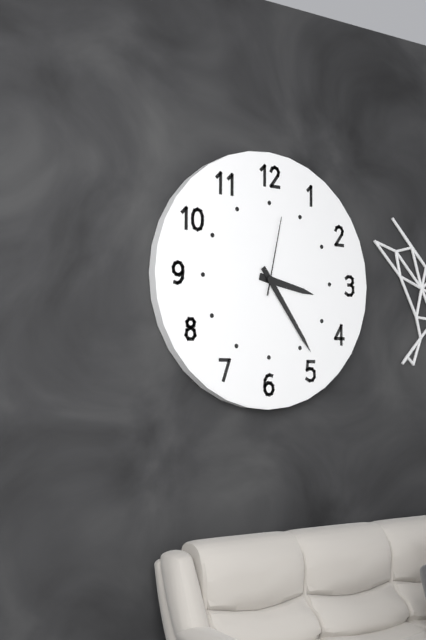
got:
3:24:02
